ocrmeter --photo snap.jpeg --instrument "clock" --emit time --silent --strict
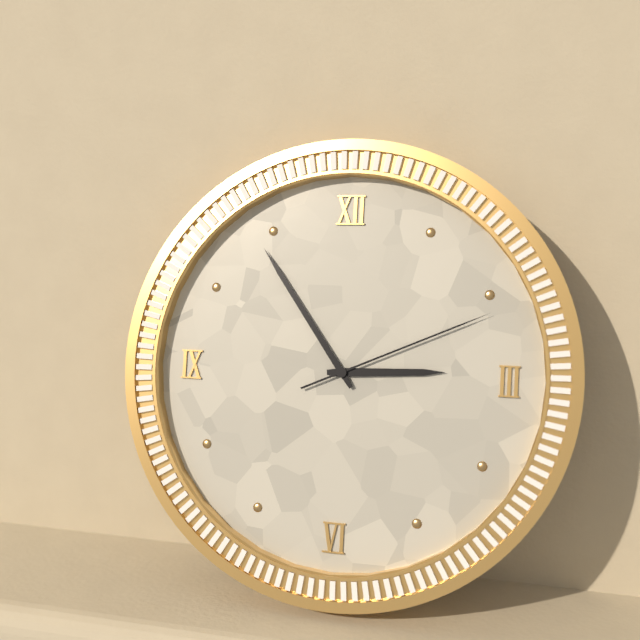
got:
2:54:11
